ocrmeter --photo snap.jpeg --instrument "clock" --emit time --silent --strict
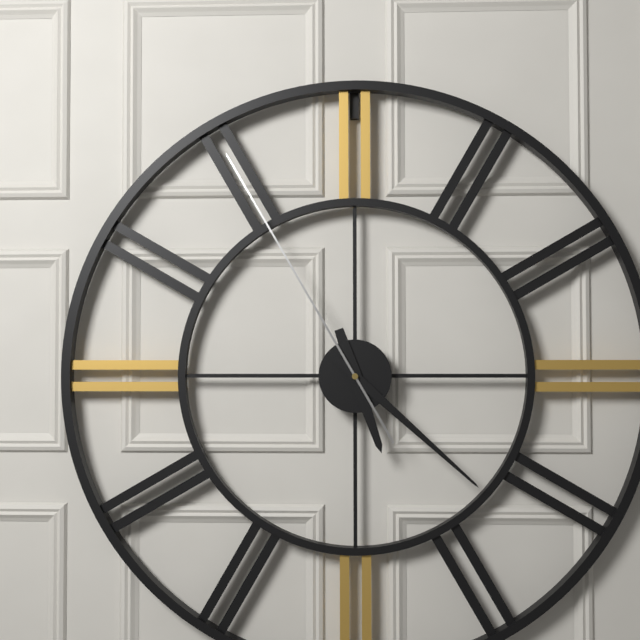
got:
5:22:55
